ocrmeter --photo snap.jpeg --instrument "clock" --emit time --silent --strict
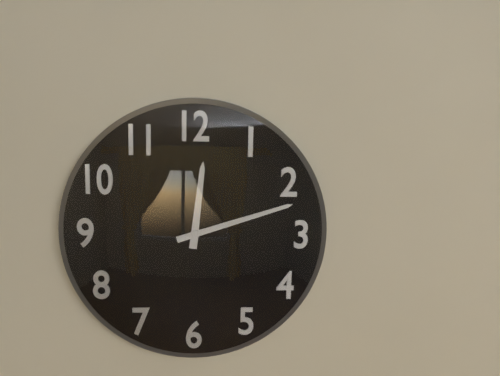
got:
12:12
